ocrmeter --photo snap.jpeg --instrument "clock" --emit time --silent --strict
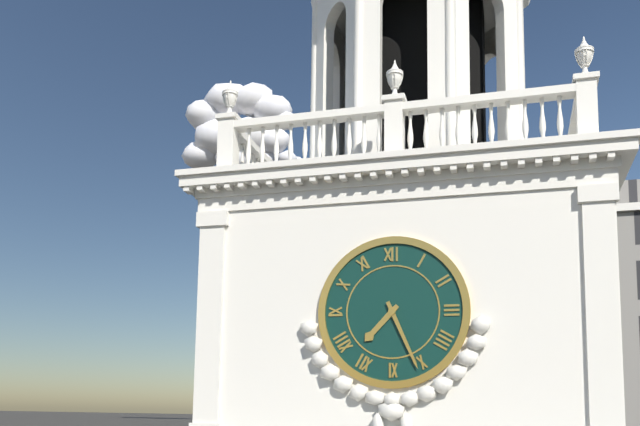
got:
7:26
